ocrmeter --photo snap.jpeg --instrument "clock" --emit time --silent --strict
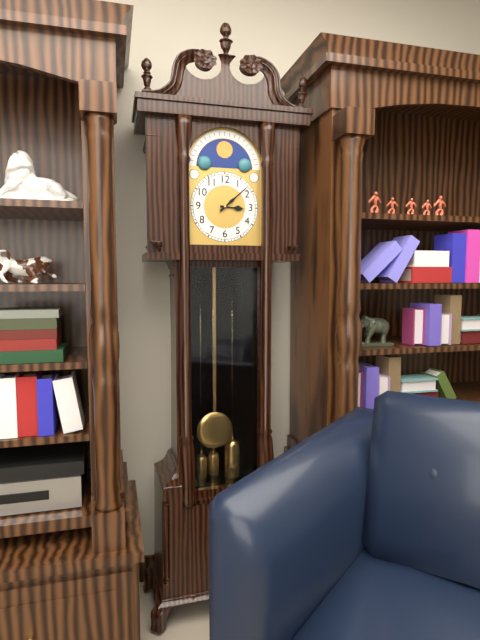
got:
3:08
